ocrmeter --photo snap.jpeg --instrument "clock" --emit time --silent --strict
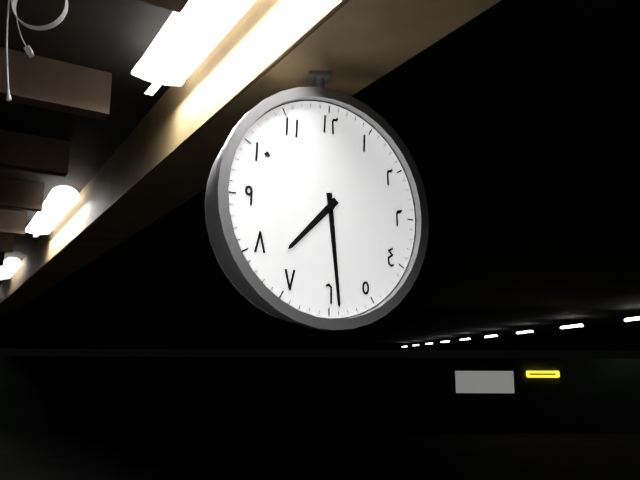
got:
7:29
